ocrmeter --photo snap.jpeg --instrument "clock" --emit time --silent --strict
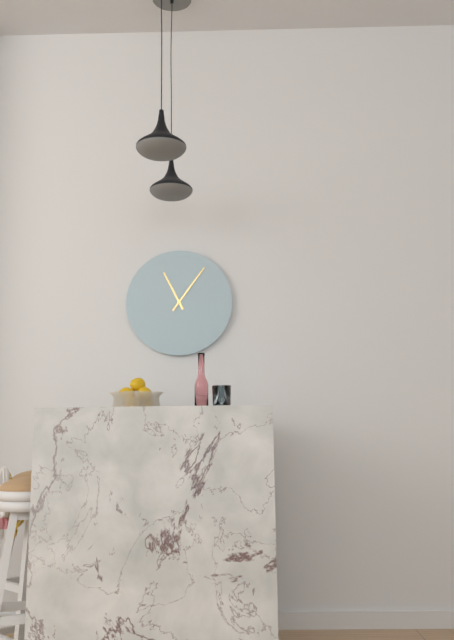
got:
11:06
